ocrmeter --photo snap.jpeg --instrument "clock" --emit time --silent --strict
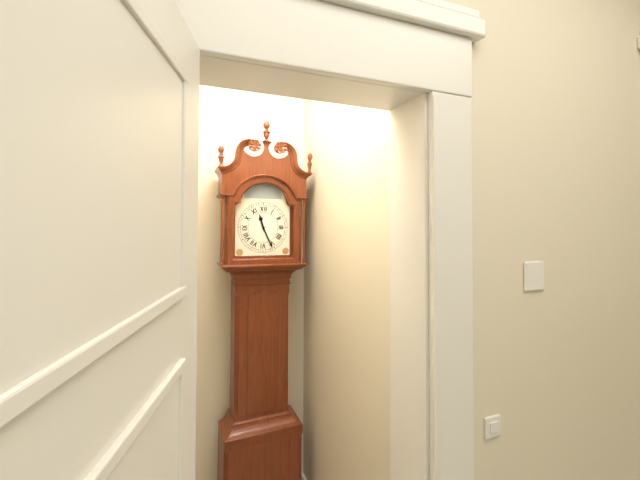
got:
11:26
